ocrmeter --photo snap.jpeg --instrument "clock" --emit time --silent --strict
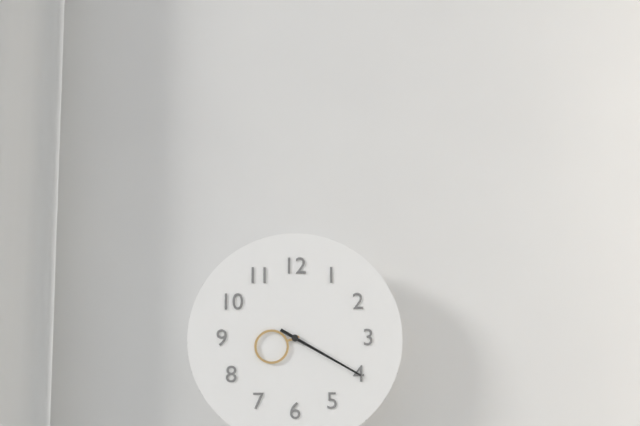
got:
8:20
